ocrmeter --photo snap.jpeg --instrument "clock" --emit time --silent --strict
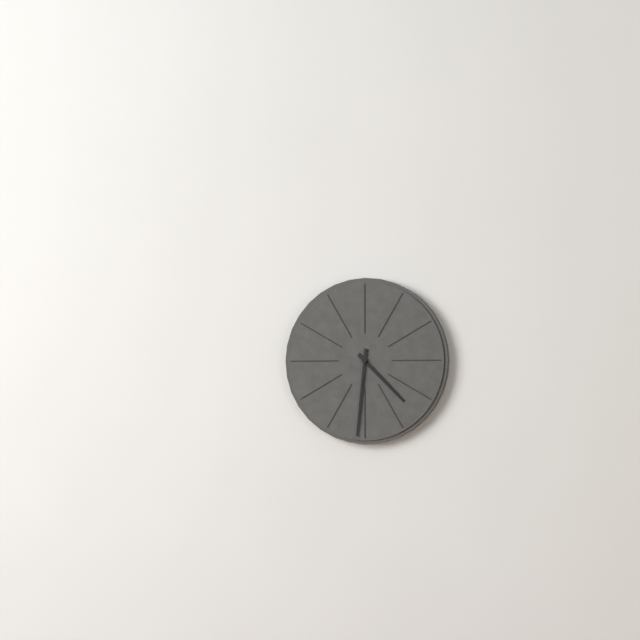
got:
4:31
